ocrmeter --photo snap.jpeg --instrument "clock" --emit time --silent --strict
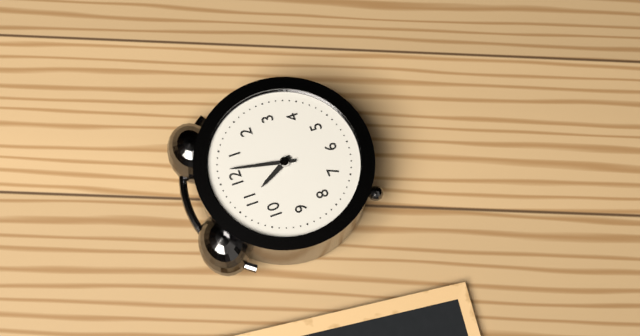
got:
11:02
